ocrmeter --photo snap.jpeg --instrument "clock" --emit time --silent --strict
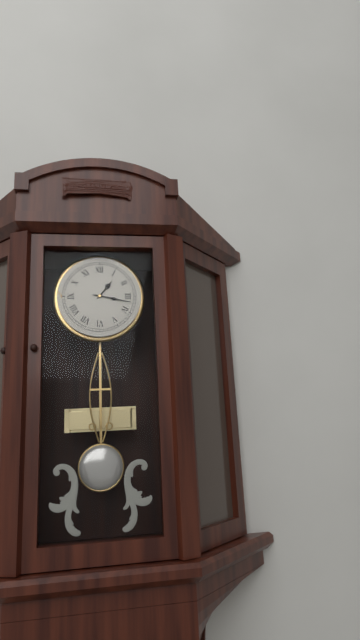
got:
1:17
